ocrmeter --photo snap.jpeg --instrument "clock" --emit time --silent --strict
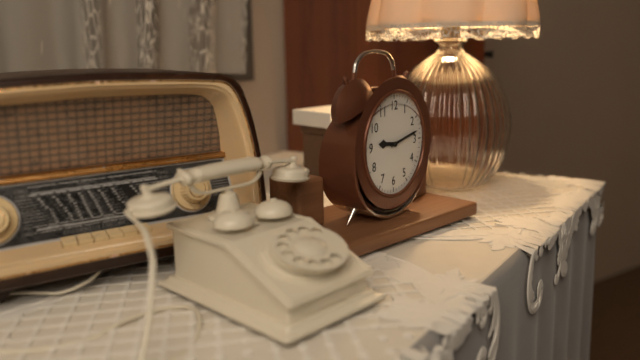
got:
9:13
